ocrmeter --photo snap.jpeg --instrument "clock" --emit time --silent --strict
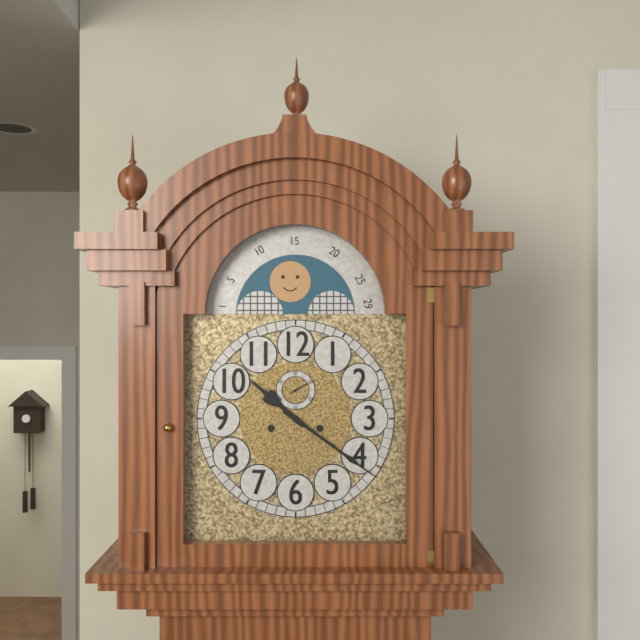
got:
10:21
